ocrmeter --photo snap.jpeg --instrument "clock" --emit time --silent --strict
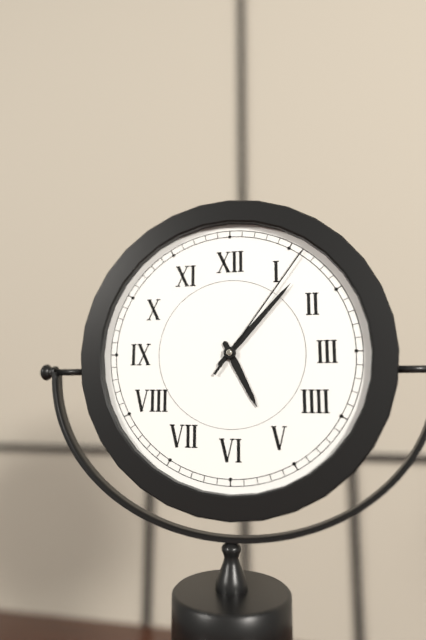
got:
5:07:06
